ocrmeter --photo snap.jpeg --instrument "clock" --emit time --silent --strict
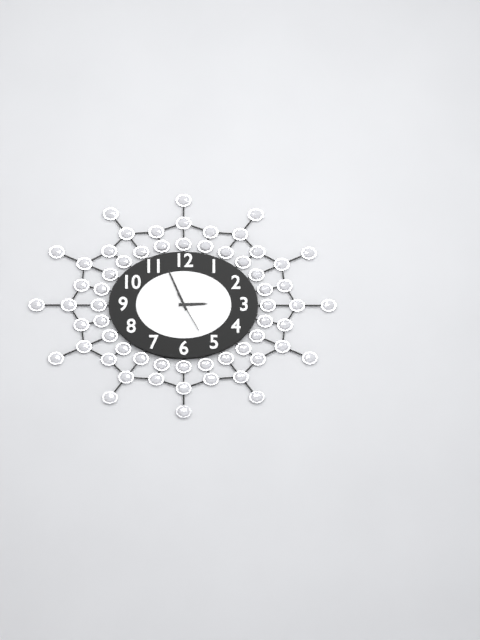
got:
2:56
